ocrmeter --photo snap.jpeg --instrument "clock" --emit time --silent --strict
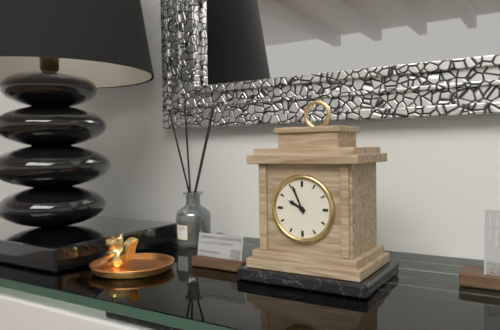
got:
9:56
